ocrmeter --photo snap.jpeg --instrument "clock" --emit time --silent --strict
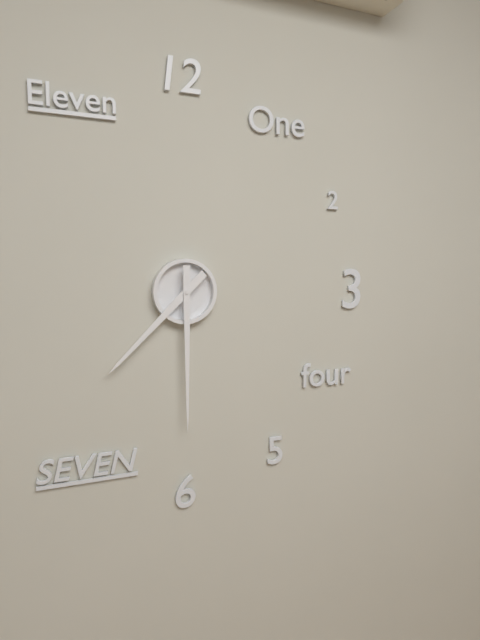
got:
7:30
